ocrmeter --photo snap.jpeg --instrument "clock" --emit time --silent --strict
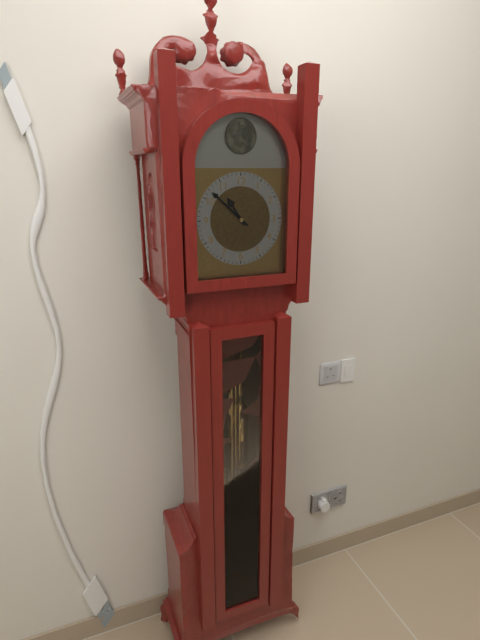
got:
10:52
